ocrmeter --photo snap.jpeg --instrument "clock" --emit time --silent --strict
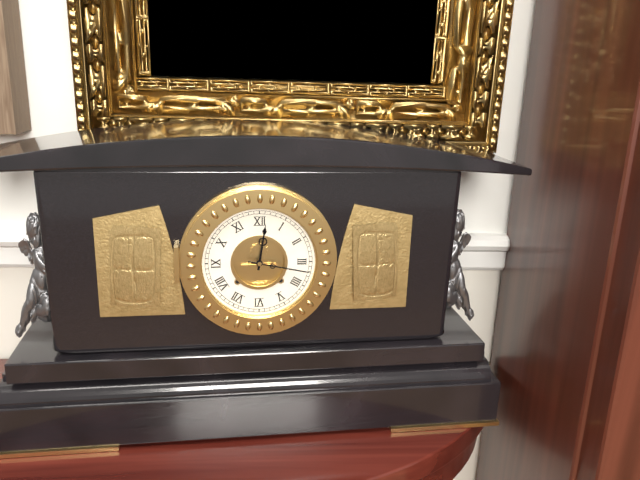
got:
12:17
